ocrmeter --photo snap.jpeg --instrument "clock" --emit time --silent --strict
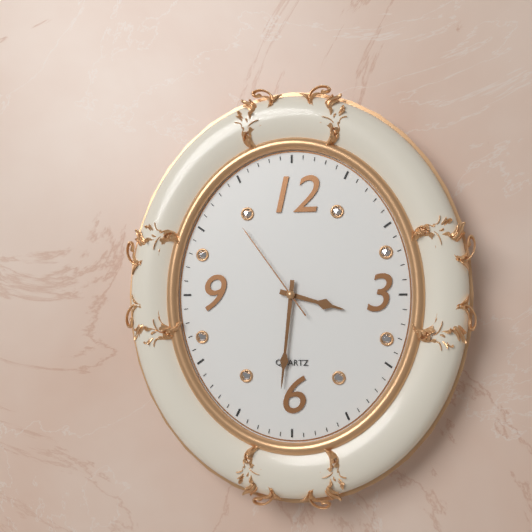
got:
3:31:54
